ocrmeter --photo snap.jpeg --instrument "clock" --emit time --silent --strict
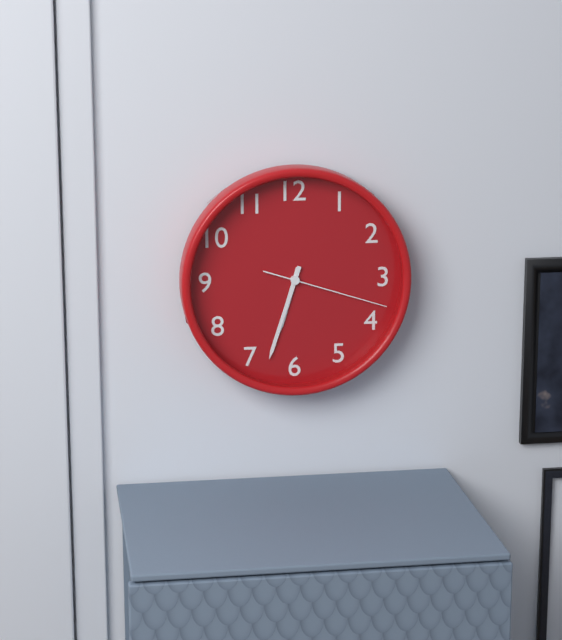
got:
6:33:18
